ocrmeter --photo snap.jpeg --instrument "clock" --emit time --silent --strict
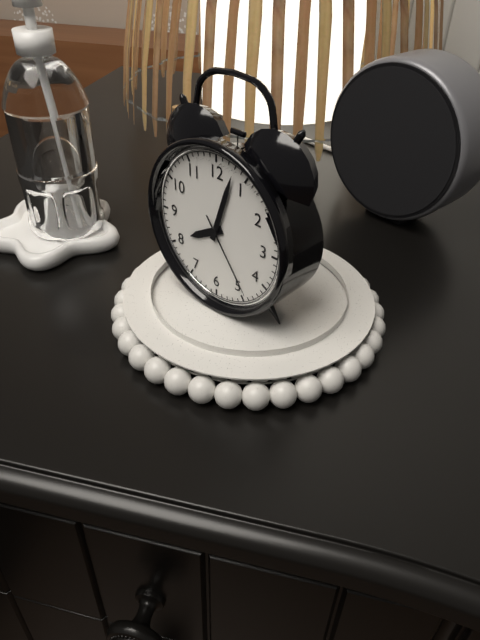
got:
8:03:24
